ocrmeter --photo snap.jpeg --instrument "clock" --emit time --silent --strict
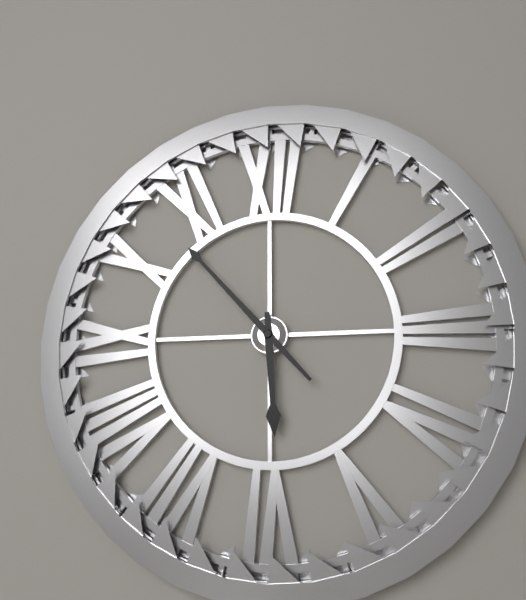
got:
5:53
